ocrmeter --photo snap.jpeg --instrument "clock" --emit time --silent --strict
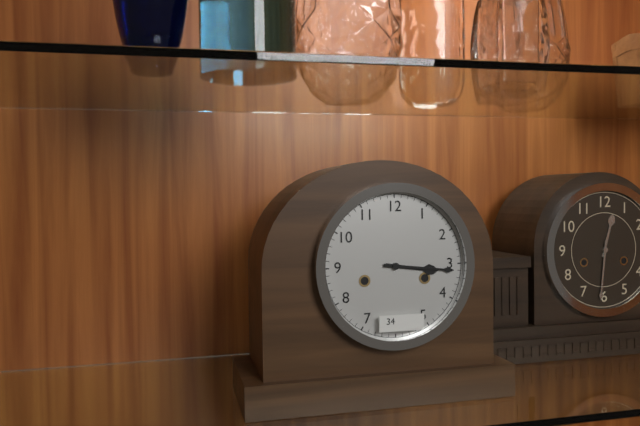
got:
3:16
